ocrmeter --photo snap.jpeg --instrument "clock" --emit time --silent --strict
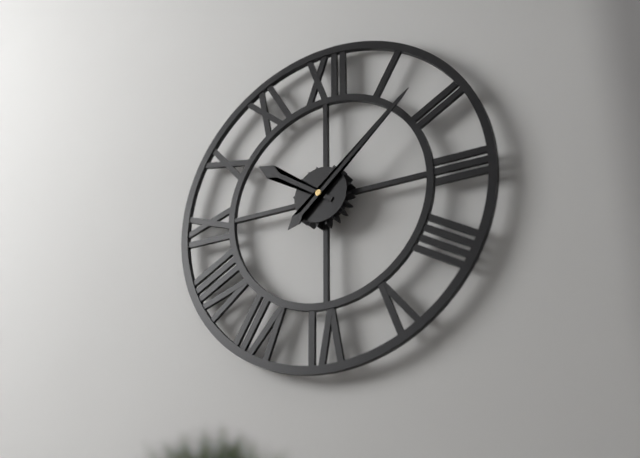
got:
10:08
